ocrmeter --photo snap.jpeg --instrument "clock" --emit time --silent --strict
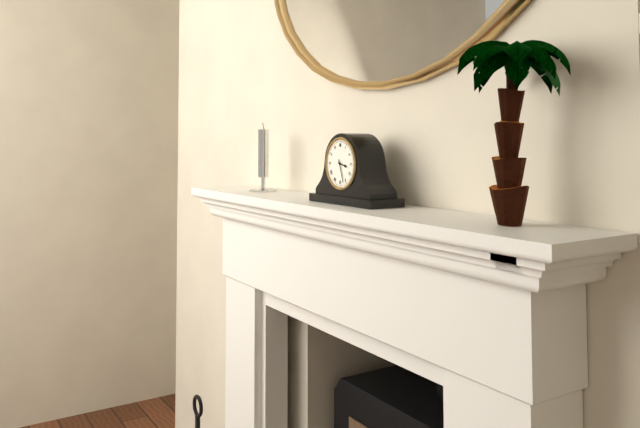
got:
3:27
